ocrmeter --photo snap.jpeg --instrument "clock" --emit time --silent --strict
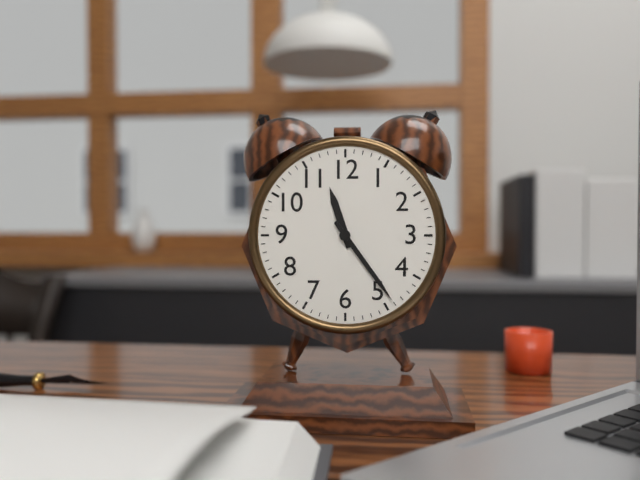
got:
11:24
